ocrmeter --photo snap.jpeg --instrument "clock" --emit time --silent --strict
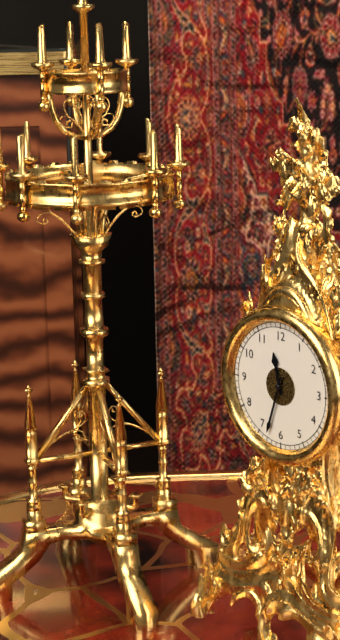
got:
11:33
